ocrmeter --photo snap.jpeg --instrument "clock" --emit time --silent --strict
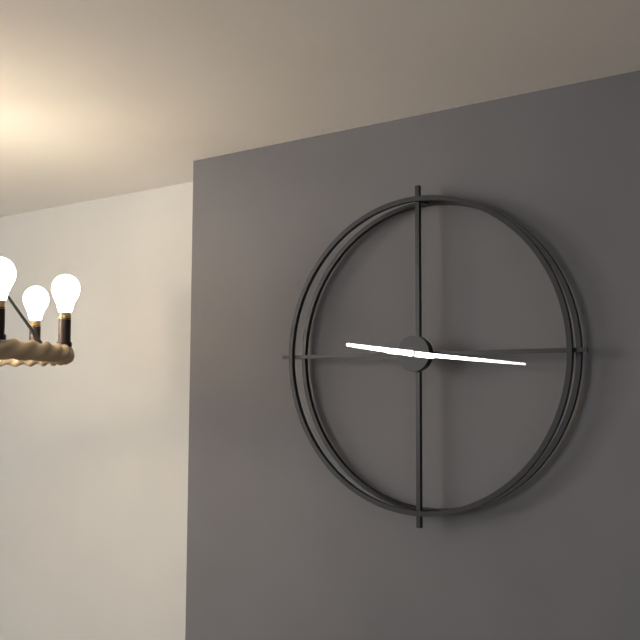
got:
9:16
